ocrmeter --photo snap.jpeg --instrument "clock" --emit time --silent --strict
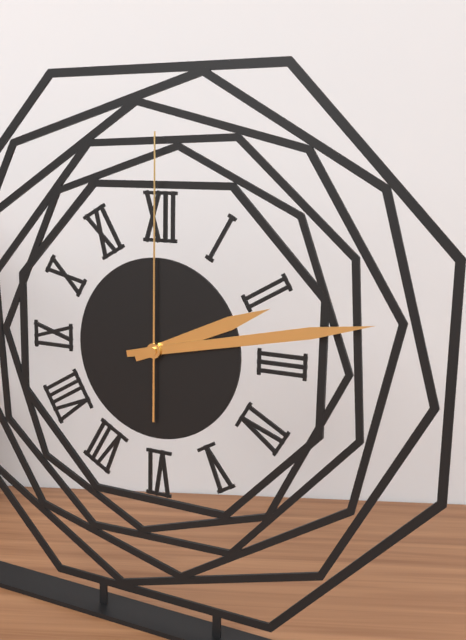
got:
2:13:00
